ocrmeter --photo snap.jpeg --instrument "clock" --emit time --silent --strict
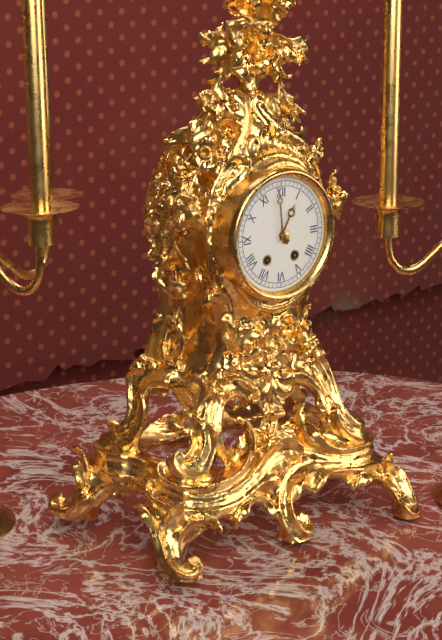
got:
12:59
